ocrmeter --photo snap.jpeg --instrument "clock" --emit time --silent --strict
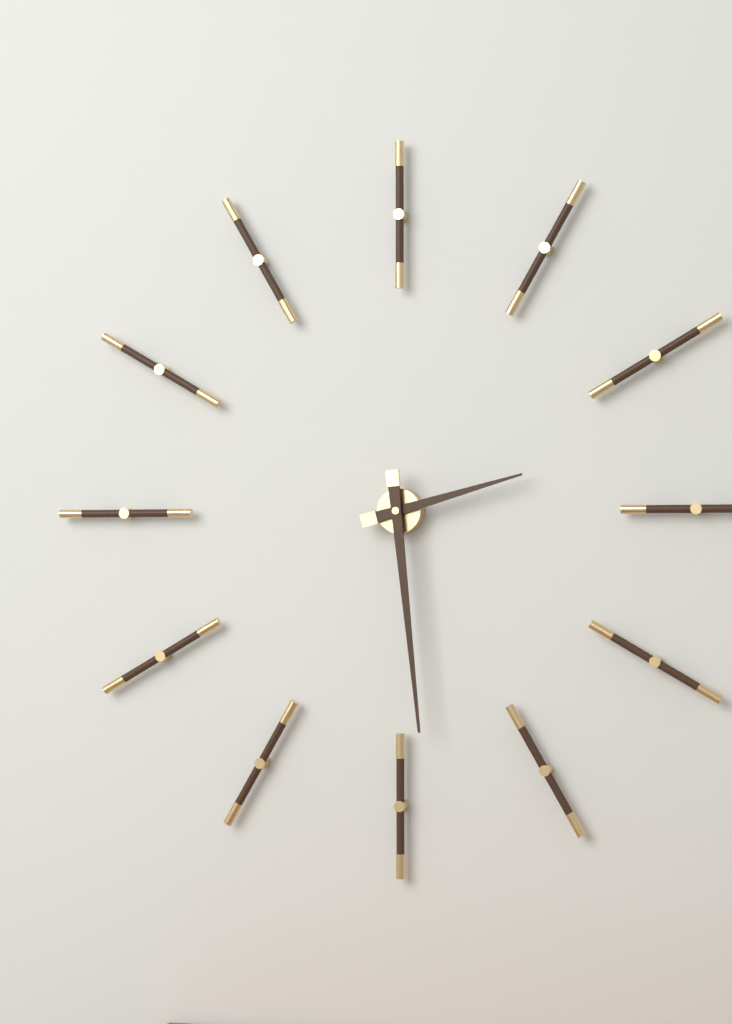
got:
2:29
